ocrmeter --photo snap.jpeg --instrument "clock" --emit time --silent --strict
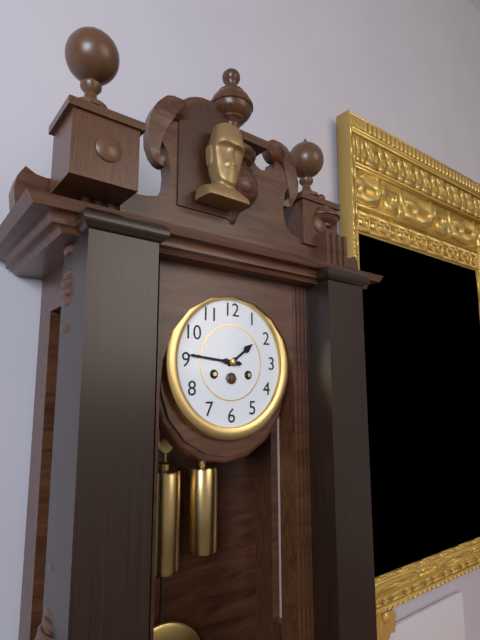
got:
1:46
